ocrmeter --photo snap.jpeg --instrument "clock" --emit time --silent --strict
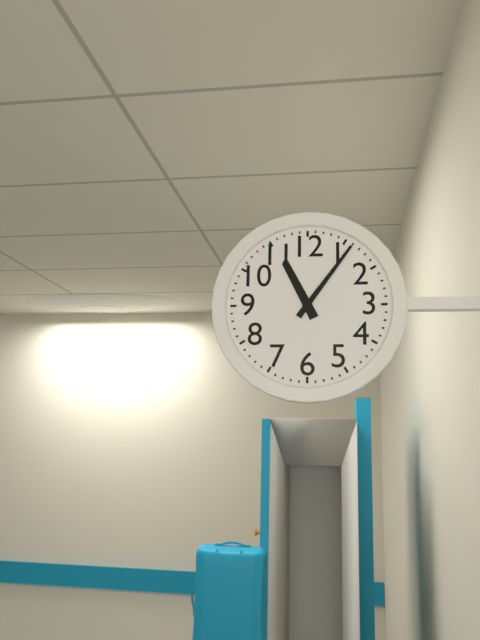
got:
11:06
